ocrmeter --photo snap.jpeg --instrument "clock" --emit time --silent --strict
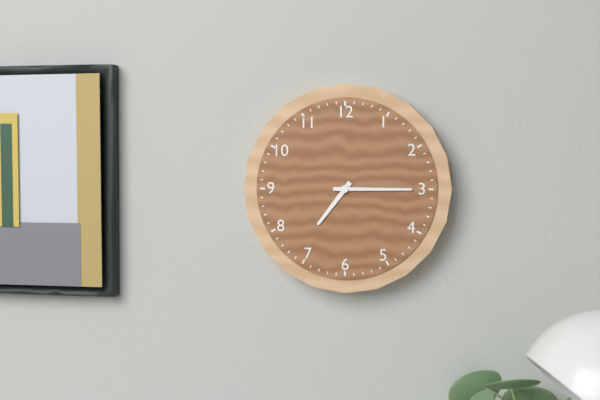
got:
7:15
